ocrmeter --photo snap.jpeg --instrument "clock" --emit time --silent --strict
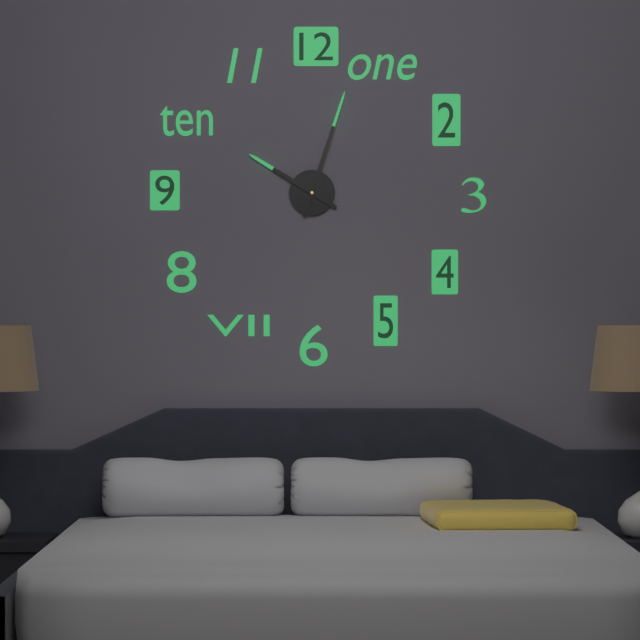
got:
10:03
